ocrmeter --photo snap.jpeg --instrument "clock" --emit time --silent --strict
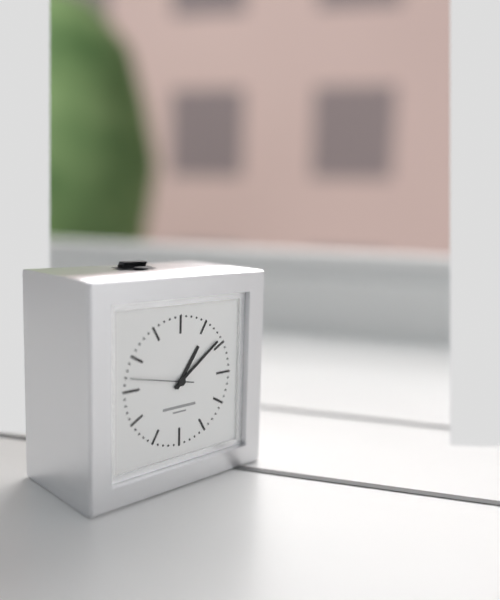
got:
1:09:47
